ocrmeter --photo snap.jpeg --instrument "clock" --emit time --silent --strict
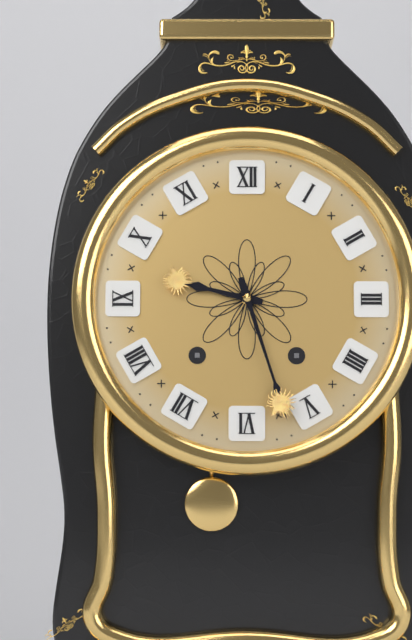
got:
9:27
